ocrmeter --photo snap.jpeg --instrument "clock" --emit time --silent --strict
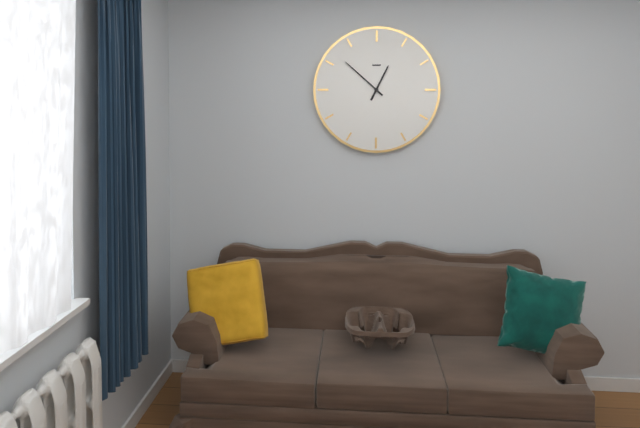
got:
12:52
